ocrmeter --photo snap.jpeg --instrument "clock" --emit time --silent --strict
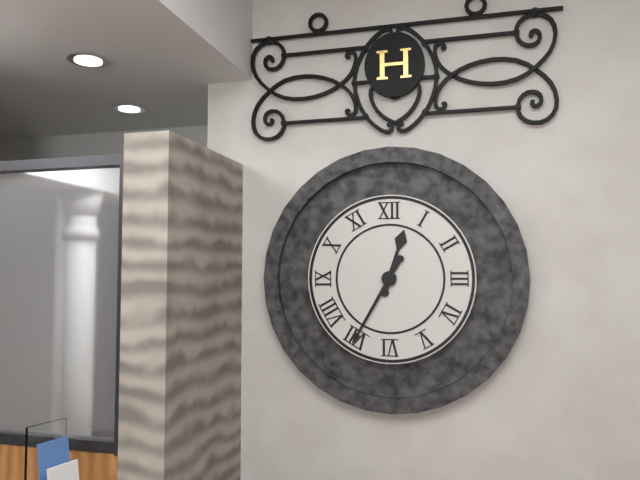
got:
12:35
